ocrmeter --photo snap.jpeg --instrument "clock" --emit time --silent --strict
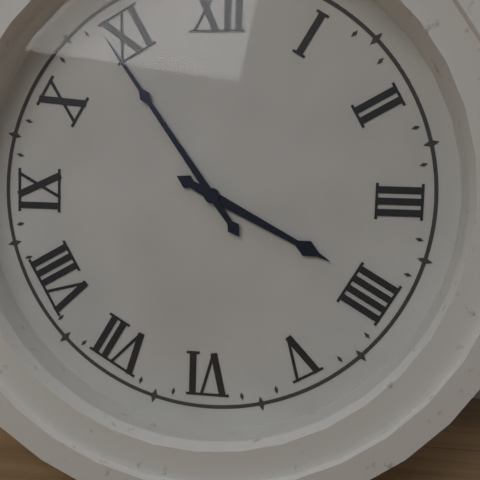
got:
3:54
